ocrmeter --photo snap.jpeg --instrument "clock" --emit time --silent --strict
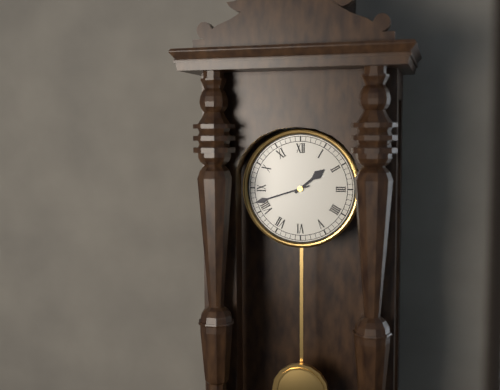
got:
1:42
